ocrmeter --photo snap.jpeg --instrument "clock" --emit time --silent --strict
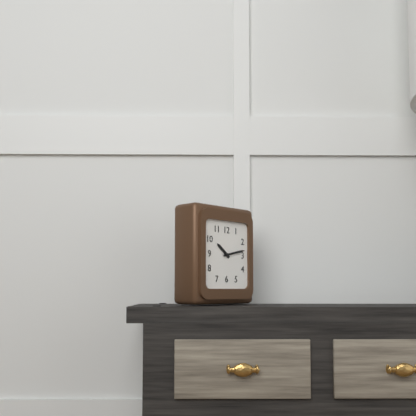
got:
10:13
